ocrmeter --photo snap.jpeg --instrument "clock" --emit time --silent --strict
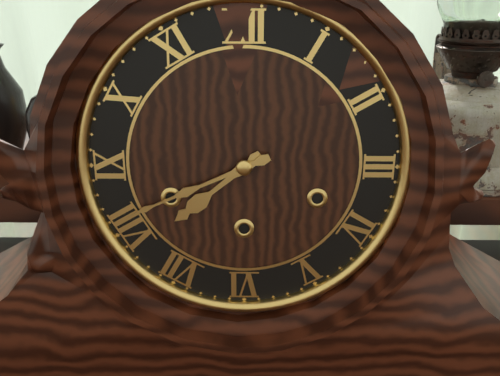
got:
7:41
